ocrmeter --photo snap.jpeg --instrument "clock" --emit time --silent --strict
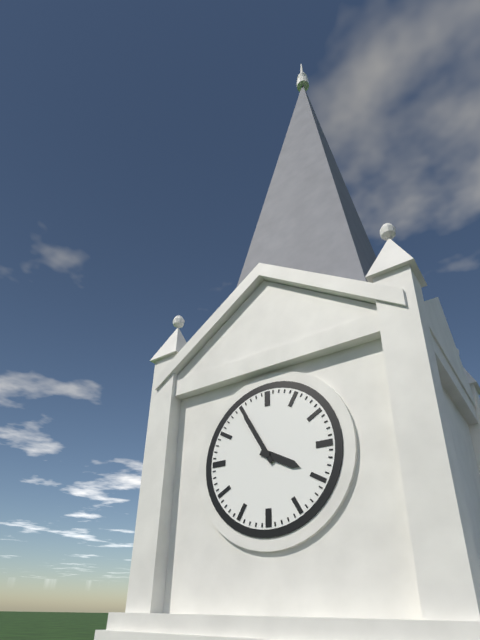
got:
3:55
